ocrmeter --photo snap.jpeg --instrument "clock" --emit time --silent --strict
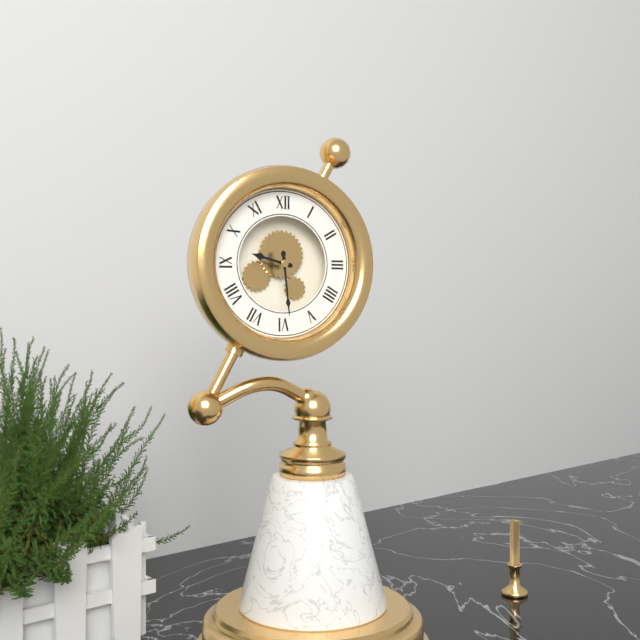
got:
9:29
